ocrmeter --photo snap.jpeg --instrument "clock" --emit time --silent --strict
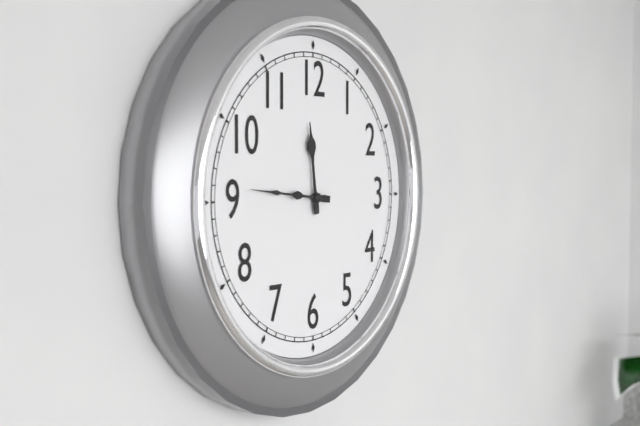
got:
11:46
